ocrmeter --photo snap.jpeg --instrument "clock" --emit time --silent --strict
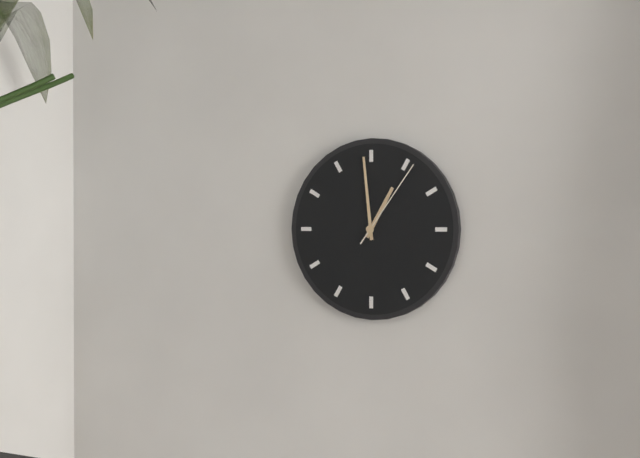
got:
12:59:06
